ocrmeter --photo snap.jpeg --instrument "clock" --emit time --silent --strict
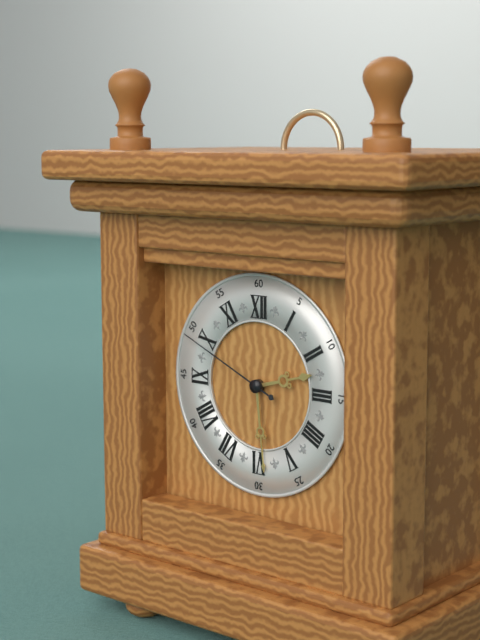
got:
2:29:49
